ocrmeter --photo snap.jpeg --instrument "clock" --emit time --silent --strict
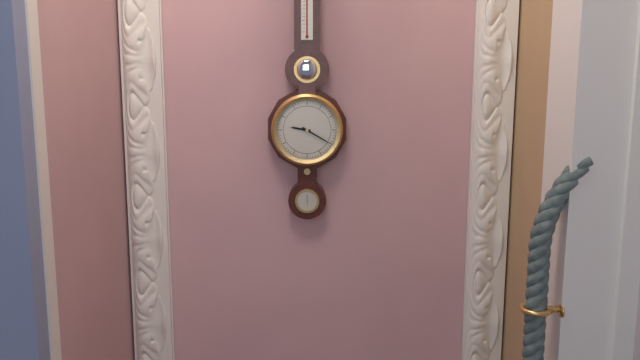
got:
9:20
